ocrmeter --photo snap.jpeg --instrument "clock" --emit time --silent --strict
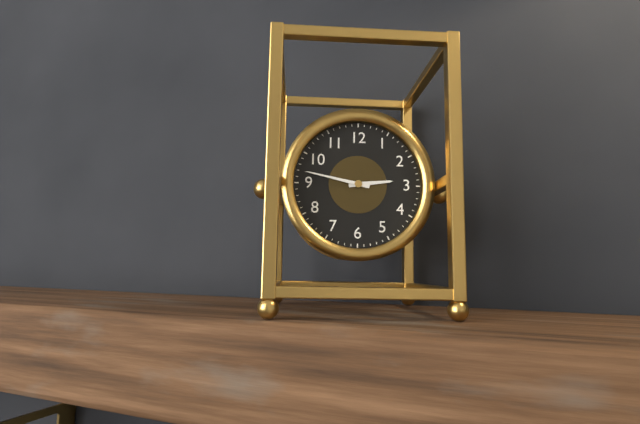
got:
2:47
